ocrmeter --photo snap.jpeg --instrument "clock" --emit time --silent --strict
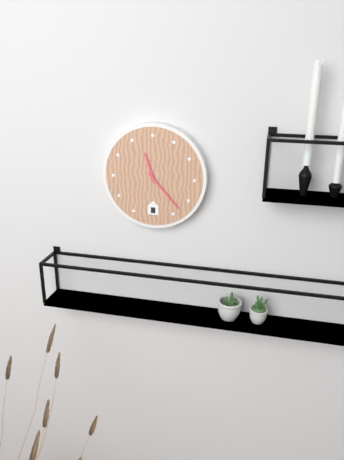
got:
11:23
